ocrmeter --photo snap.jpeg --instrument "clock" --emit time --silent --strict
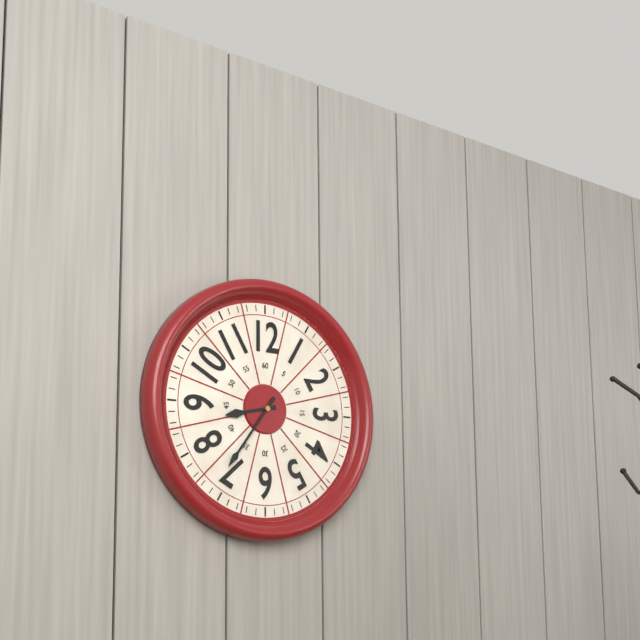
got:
8:36
